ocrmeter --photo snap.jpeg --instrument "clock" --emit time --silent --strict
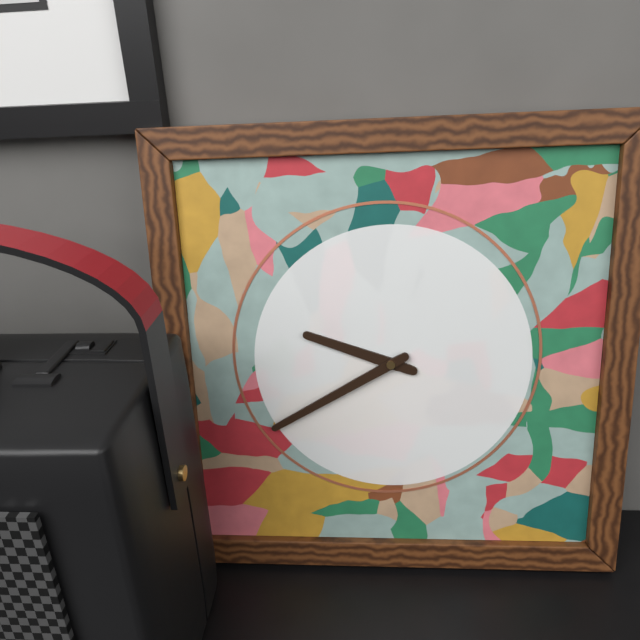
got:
9:40
